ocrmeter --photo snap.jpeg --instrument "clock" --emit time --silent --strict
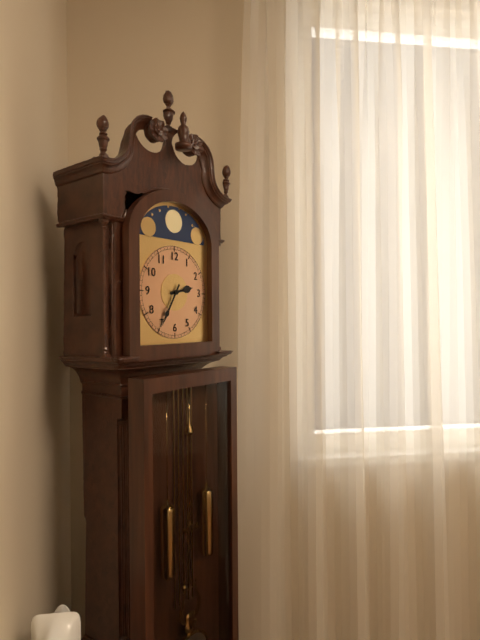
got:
2:35
